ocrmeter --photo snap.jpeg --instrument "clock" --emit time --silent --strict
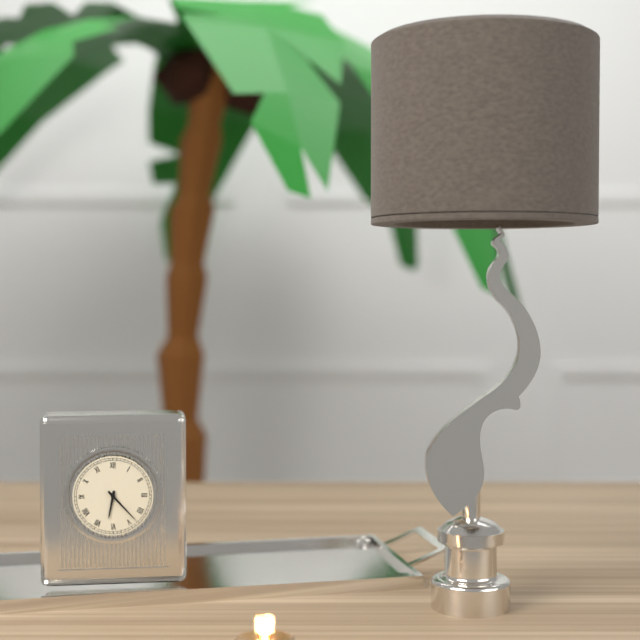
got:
6:23
